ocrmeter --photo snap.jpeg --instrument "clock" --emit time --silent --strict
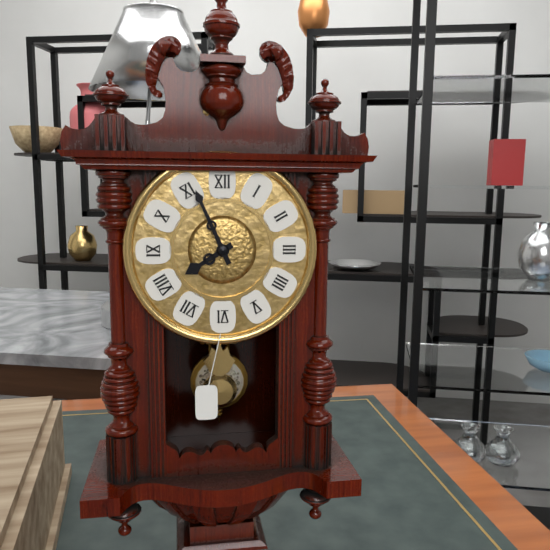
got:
7:56
